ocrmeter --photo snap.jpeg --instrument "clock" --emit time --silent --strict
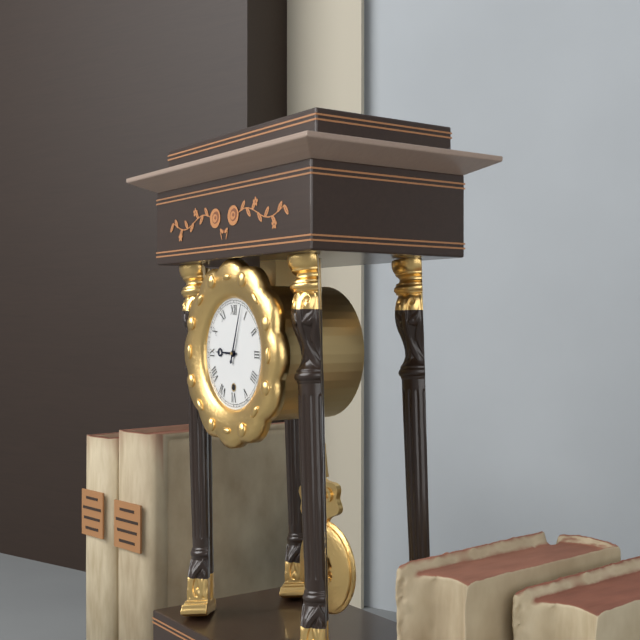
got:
9:03
